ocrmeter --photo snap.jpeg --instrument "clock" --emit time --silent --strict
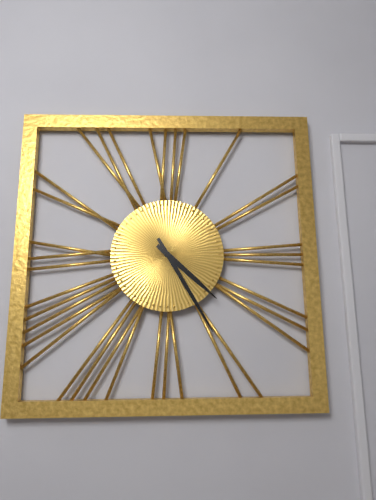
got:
4:25
